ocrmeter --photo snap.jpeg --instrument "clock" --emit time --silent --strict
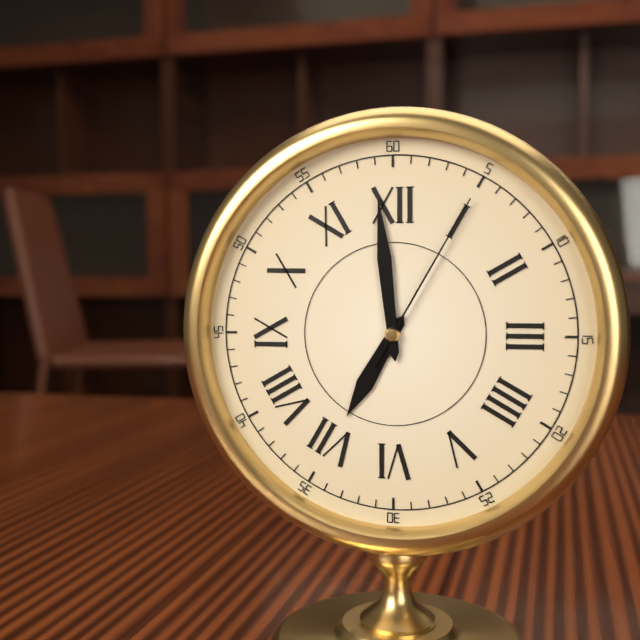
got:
6:59:05
